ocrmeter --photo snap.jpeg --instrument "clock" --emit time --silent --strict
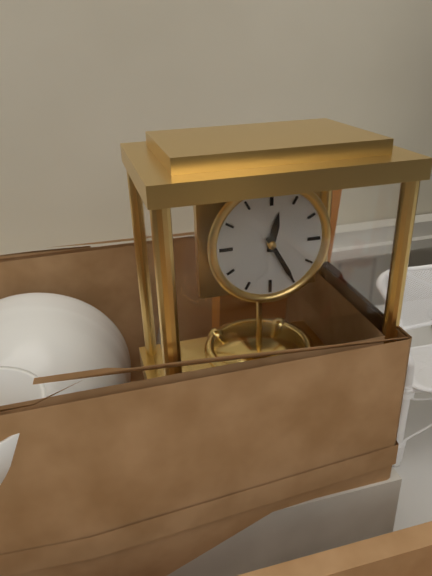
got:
12:25
